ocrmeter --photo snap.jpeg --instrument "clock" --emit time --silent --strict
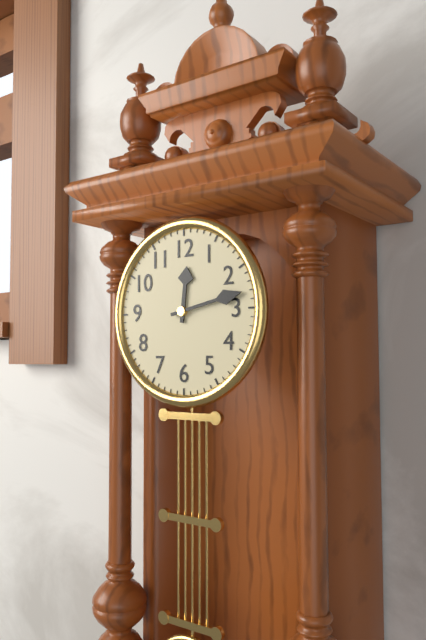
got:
12:13
